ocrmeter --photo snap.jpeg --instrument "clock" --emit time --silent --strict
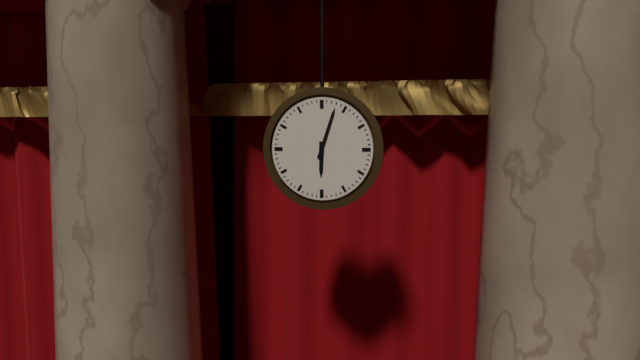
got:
6:03
